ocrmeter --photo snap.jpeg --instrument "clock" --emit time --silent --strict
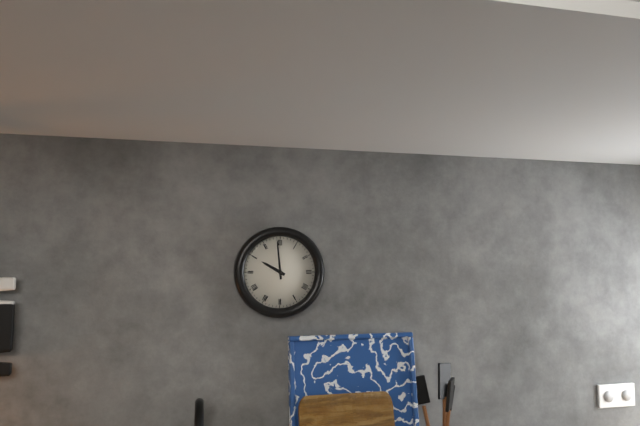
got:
9:59
